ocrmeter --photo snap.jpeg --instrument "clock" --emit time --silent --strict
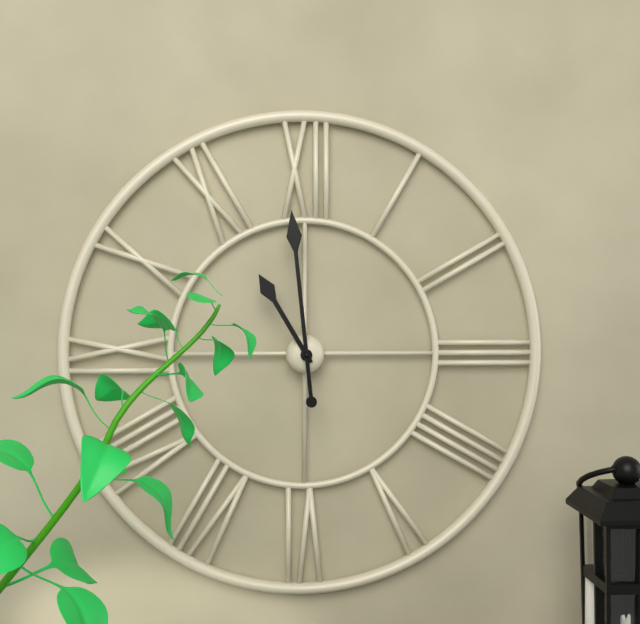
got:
10:59
